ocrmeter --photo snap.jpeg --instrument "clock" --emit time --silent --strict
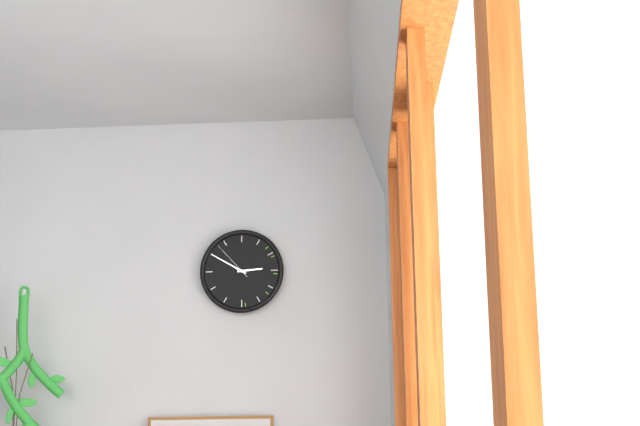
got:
2:50
